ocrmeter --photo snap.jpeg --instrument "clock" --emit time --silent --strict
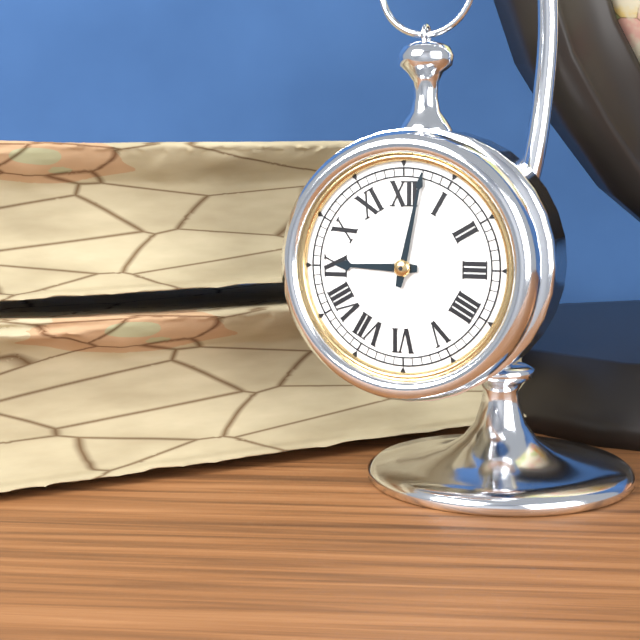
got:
9:02
